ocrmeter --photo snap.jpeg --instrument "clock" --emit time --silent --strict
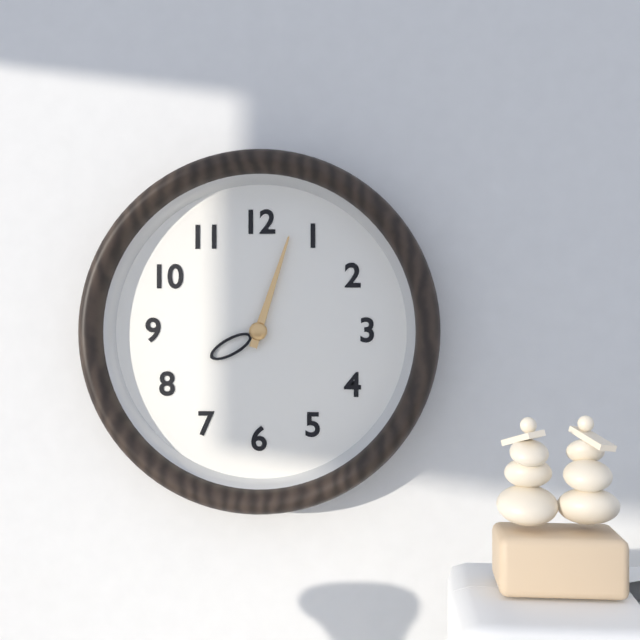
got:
8:03
